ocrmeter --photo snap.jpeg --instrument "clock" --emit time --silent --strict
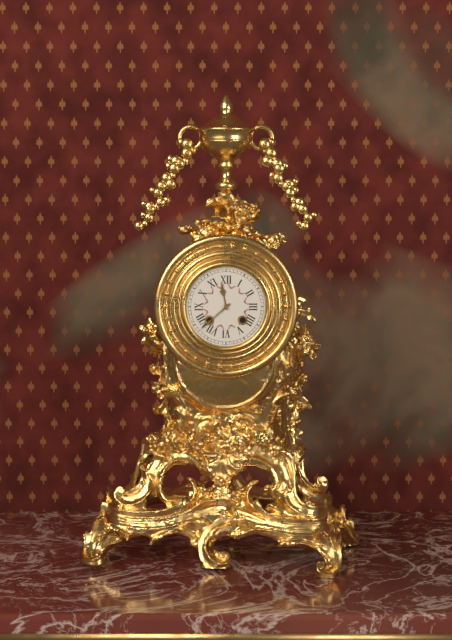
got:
11:38
